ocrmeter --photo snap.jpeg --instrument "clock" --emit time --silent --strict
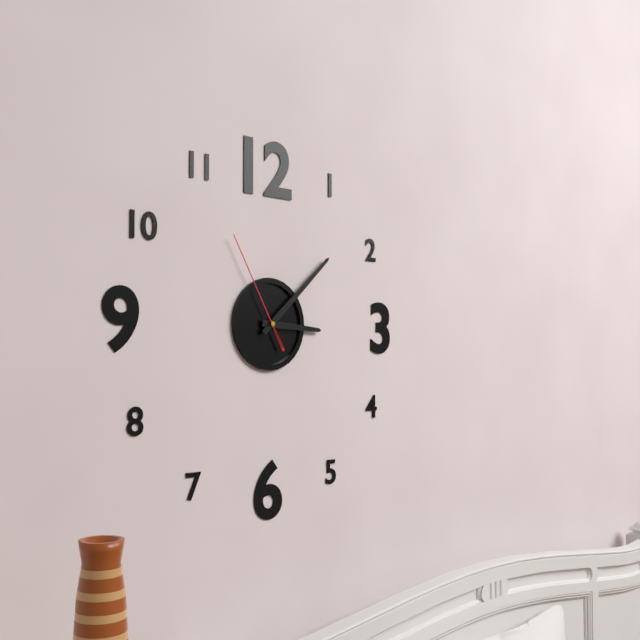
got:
3:08:55
